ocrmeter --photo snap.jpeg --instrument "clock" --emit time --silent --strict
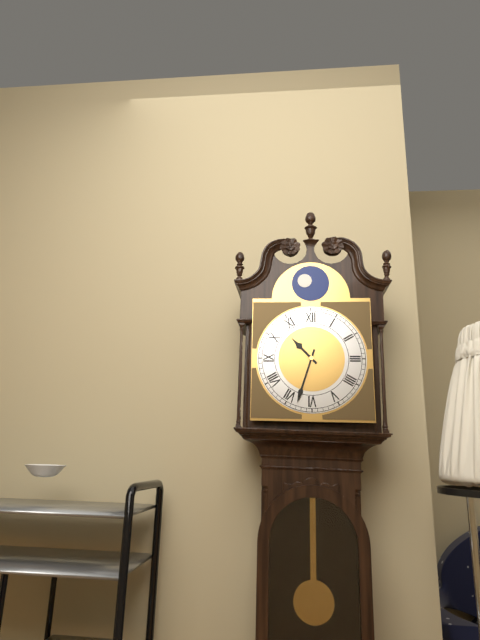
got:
10:33
